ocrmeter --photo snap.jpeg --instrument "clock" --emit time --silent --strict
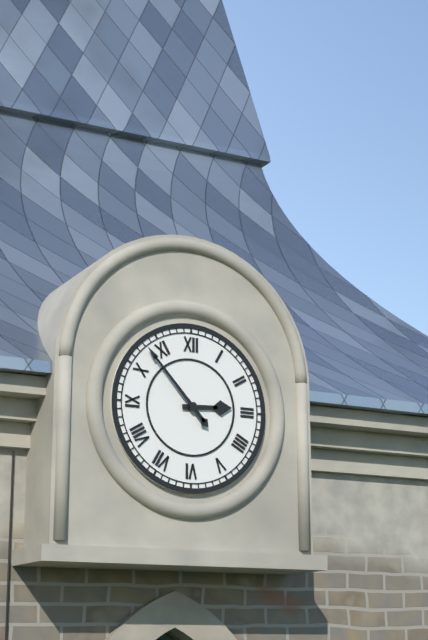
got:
2:53
